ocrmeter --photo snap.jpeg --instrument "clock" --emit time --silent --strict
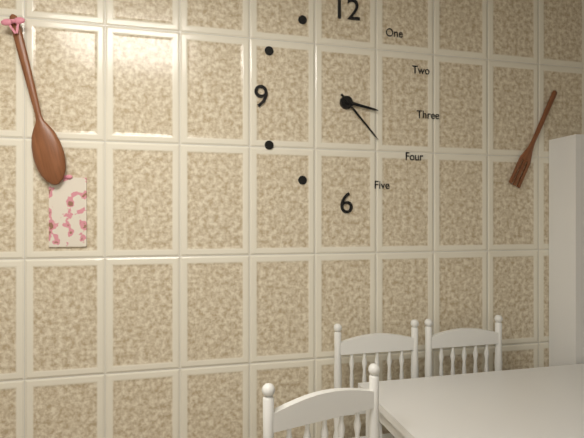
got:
3:23
